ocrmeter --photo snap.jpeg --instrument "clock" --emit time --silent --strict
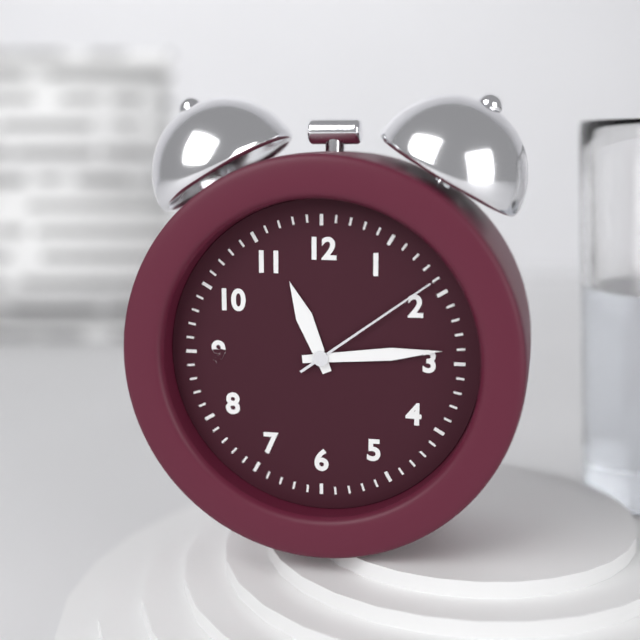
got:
11:14:09
